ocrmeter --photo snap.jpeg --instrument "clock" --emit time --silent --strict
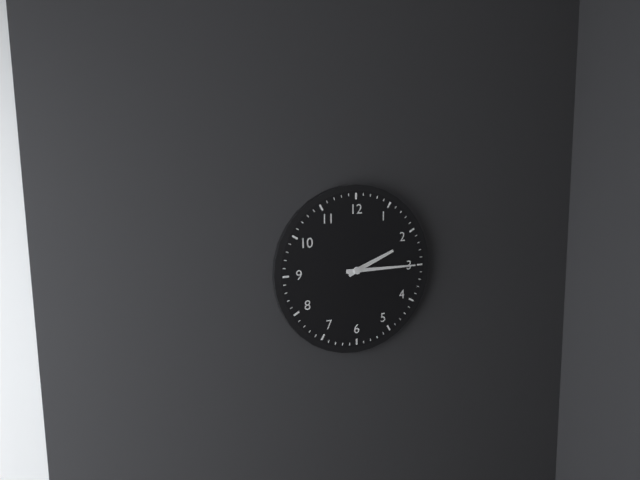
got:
2:15
